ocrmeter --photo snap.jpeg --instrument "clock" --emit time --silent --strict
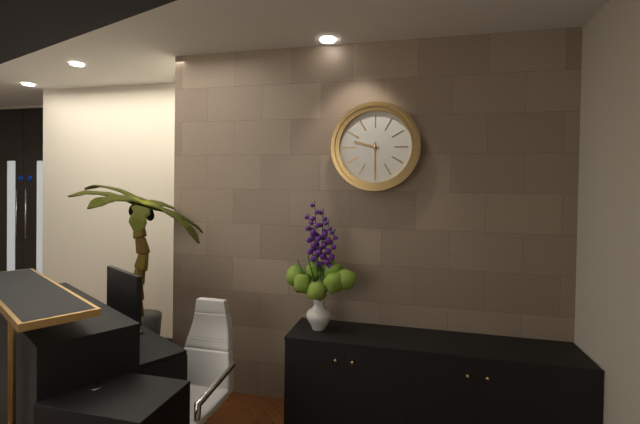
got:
9:30
